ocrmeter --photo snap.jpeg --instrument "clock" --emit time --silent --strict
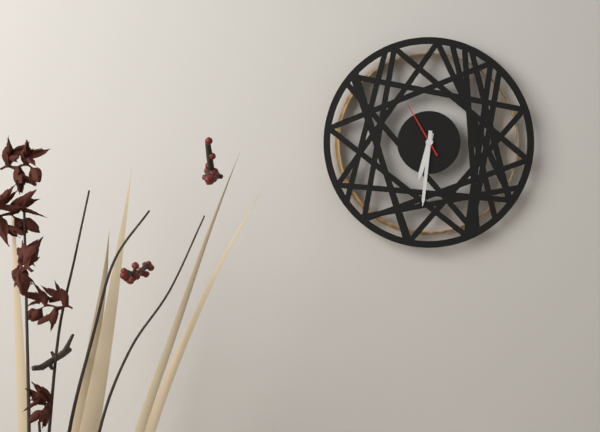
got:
6:31:55
